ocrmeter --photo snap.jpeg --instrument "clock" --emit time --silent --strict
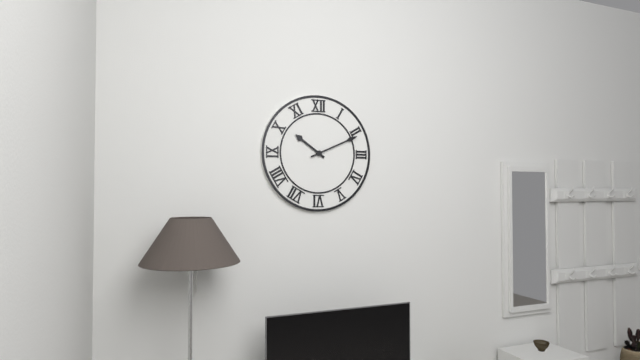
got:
10:11
